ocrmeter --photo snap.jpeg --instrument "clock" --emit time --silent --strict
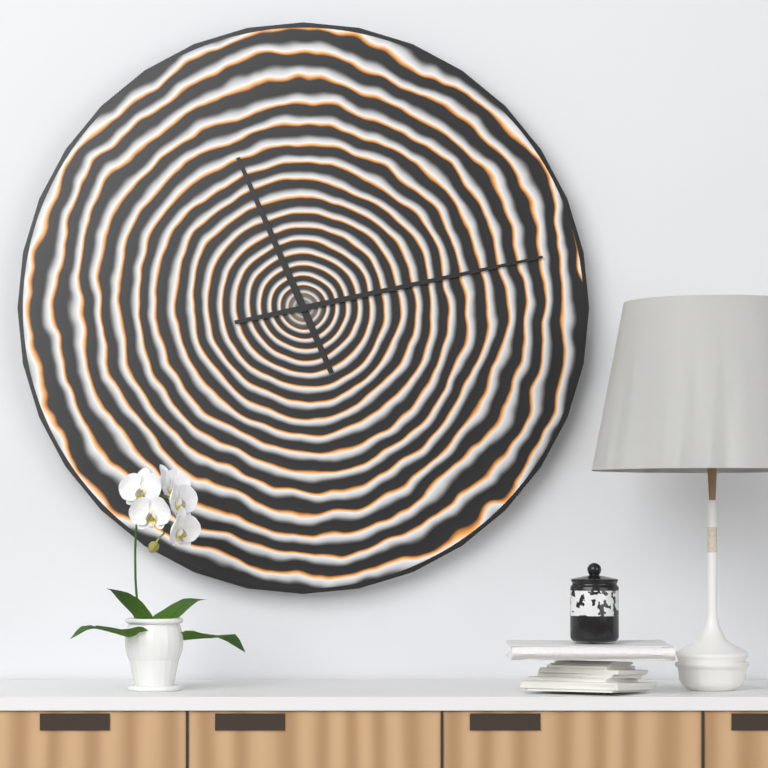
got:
11:13
